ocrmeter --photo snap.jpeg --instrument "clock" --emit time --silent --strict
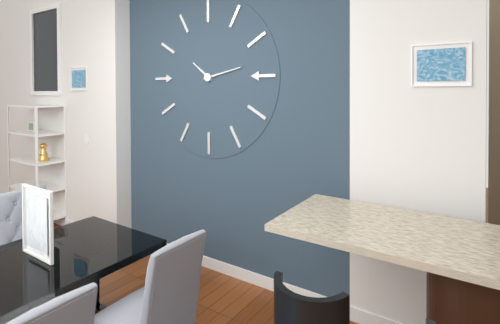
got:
10:13
